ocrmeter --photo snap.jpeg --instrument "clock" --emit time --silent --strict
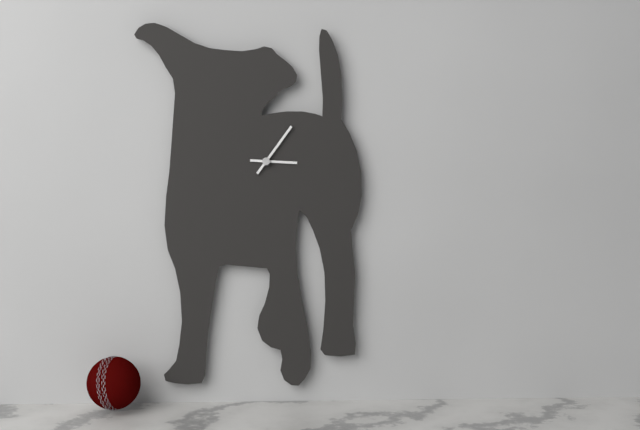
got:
3:06
